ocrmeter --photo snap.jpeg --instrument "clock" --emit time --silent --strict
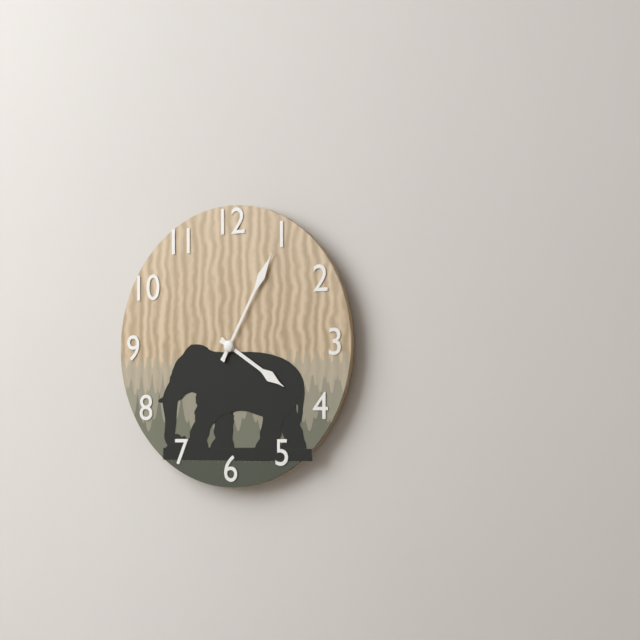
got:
4:05
